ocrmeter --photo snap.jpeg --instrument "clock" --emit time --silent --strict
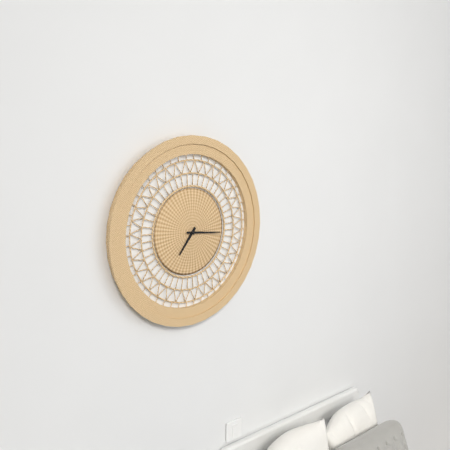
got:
7:16
